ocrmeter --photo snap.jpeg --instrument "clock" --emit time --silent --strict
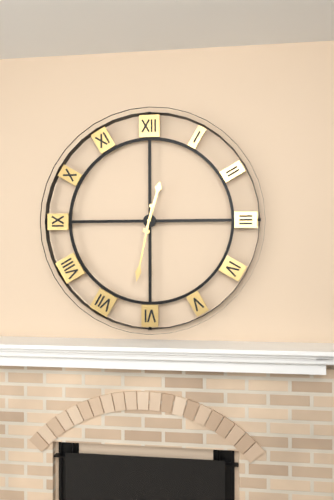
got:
12:32
